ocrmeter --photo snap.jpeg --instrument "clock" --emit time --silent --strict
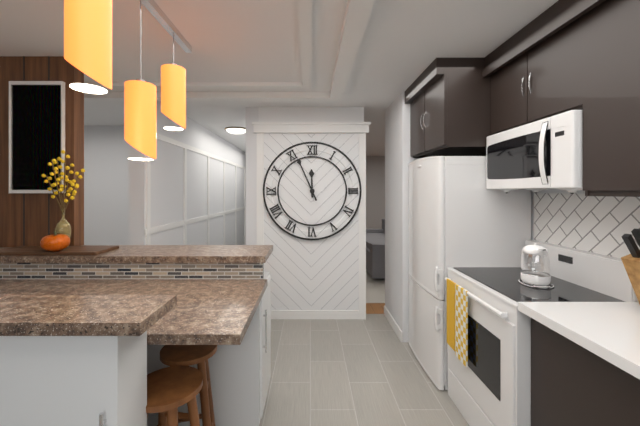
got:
11:56
